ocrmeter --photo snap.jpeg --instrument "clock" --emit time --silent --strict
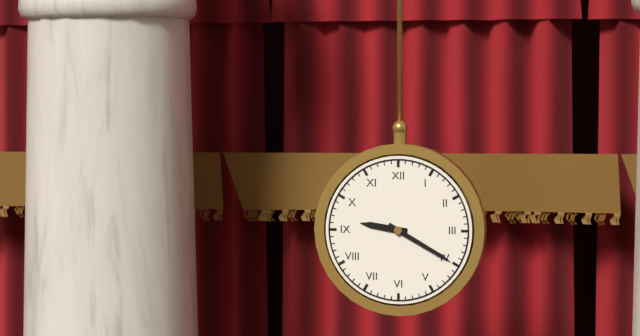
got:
9:20
